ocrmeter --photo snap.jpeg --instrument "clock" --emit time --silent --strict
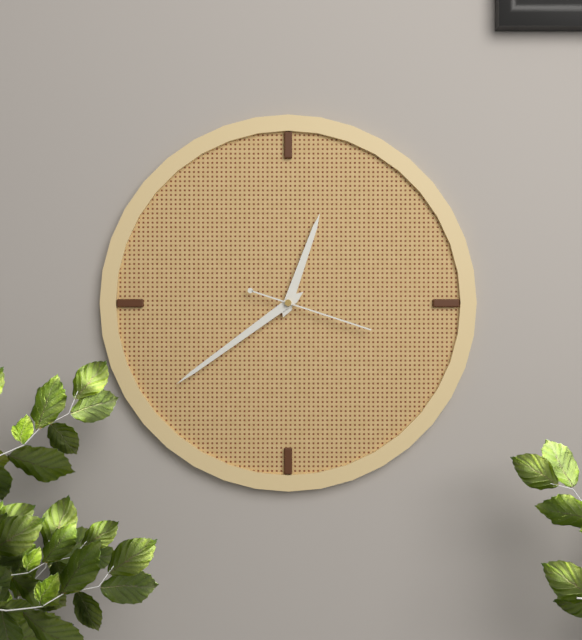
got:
12:39:18
